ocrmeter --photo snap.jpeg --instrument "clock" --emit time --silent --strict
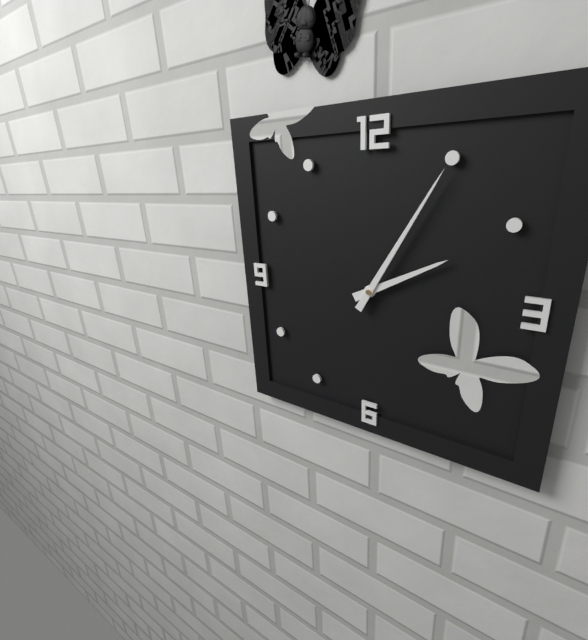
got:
2:05
